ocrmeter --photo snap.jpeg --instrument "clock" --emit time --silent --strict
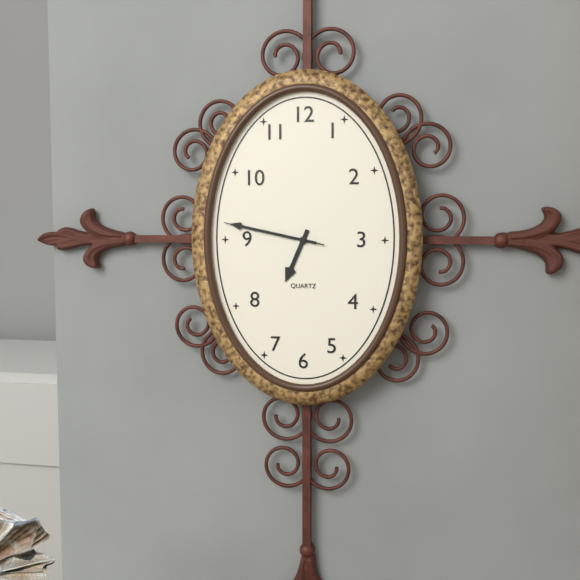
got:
6:47:47
